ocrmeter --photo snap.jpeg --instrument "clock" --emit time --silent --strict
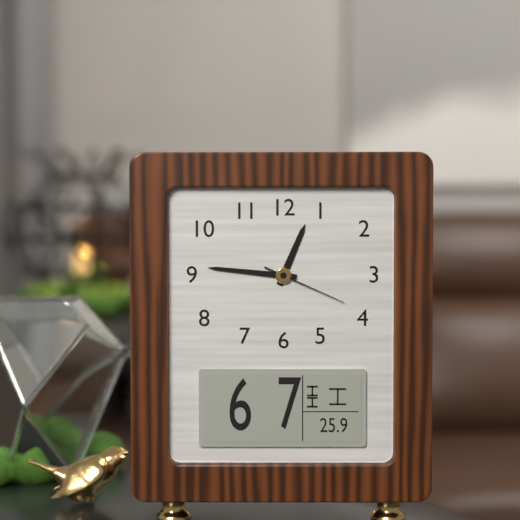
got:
12:46:19
